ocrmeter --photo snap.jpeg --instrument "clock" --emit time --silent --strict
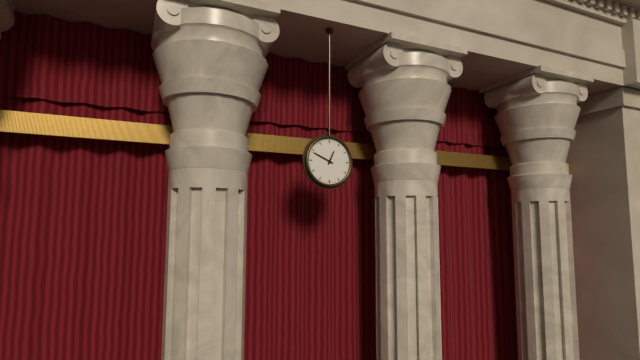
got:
12:49
